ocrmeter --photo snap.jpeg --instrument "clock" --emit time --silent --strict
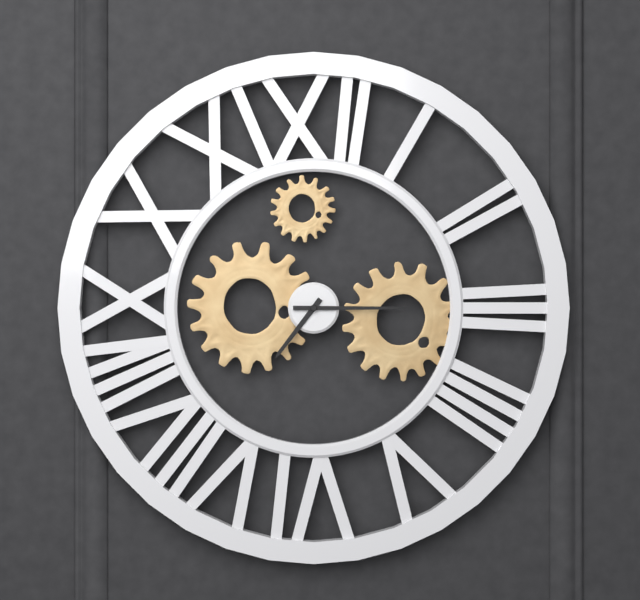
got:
7:15
